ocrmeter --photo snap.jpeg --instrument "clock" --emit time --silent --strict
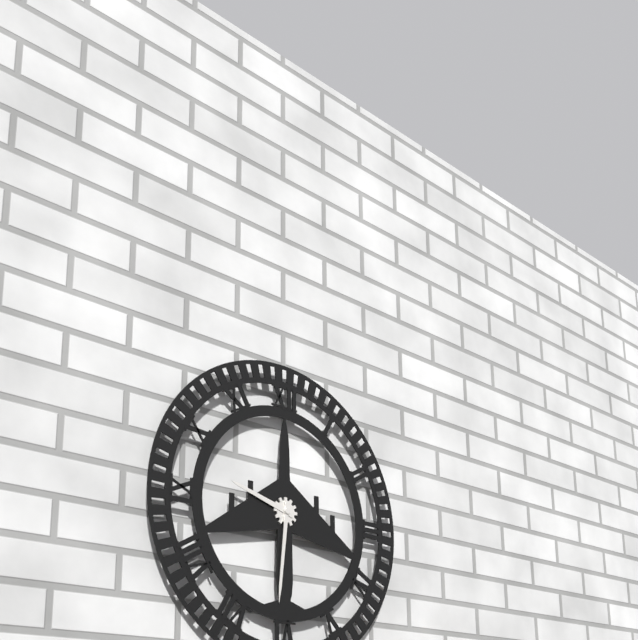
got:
9:31
